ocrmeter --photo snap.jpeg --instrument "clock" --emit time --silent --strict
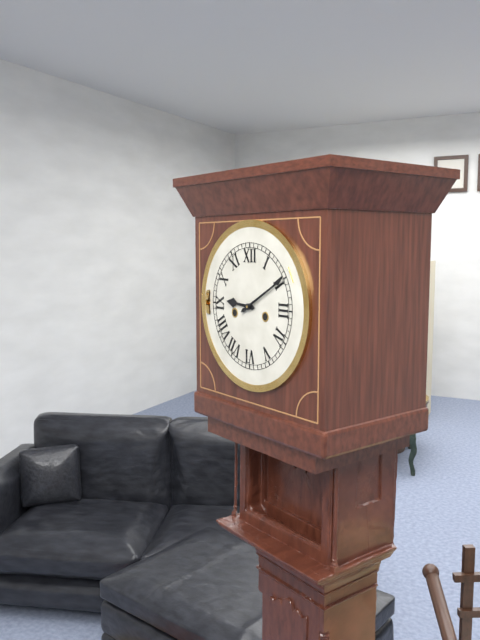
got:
9:10
